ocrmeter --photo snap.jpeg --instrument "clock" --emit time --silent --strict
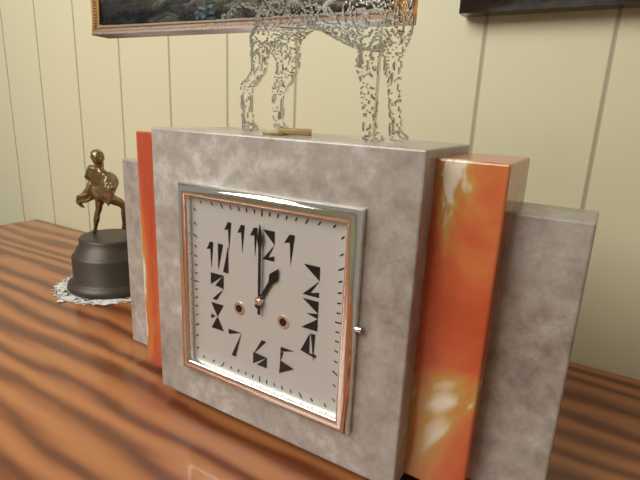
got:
1:00
